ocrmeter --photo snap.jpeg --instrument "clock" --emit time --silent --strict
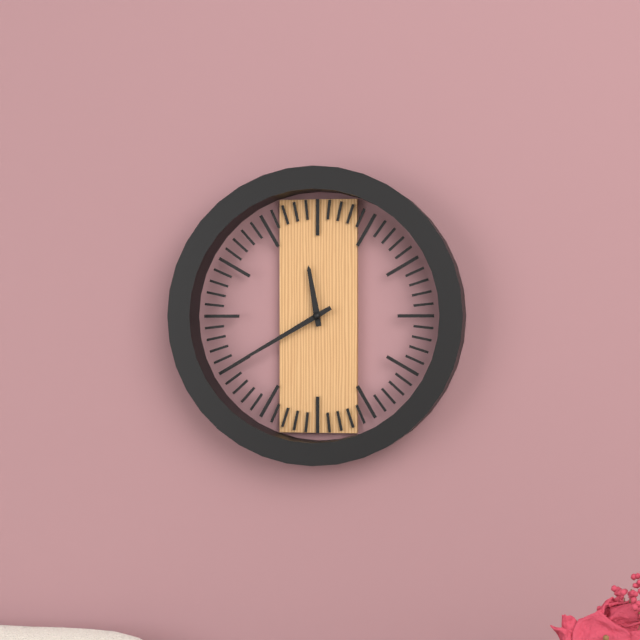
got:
11:40
